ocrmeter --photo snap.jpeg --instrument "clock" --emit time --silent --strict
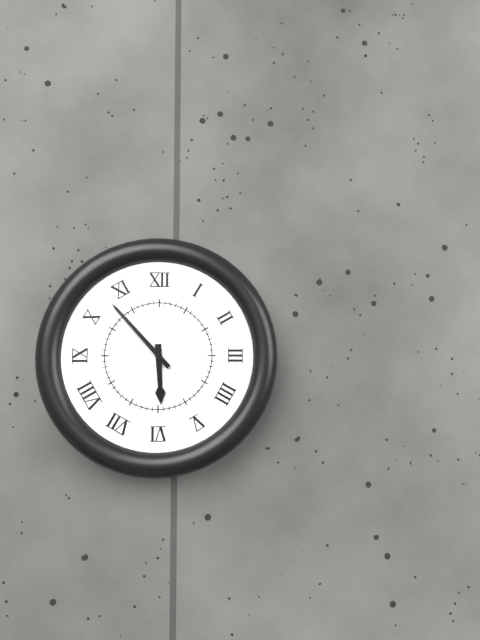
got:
5:53
